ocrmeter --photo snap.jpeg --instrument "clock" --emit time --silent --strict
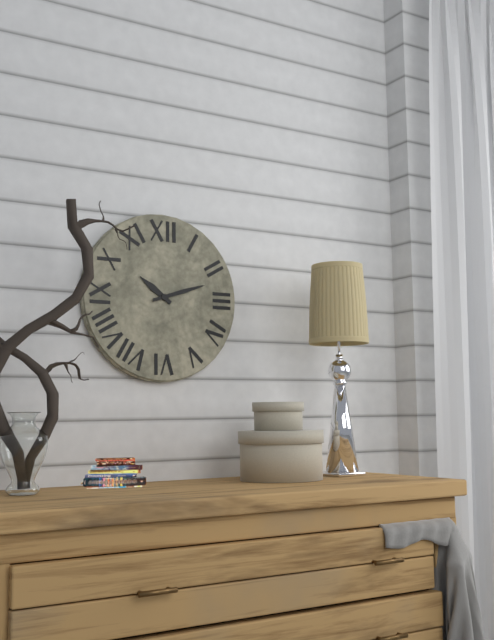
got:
10:12
